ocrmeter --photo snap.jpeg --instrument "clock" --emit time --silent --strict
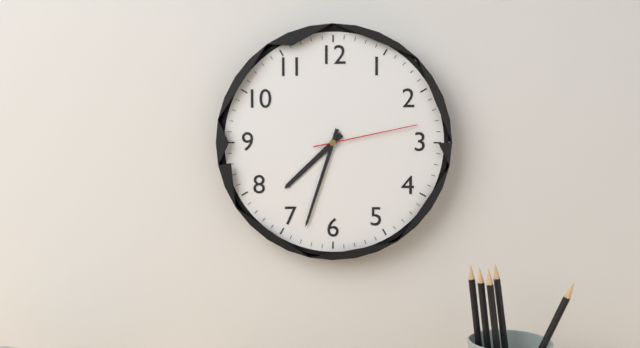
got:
7:33:13
